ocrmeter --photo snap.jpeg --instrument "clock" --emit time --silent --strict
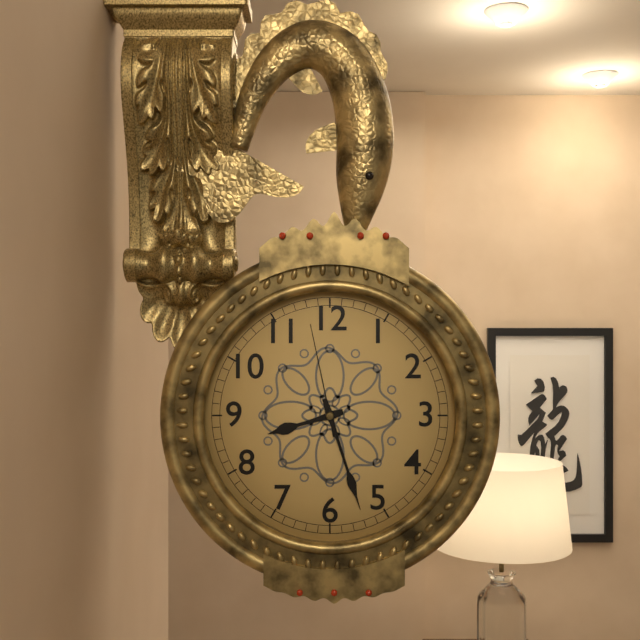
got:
8:27:58
